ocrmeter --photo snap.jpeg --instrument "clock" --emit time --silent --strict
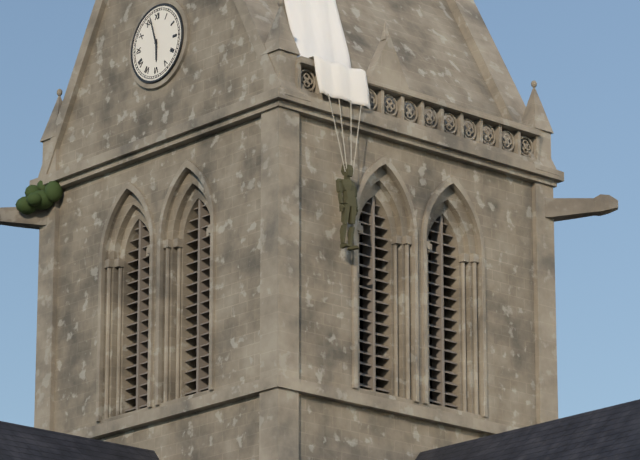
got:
5:57
